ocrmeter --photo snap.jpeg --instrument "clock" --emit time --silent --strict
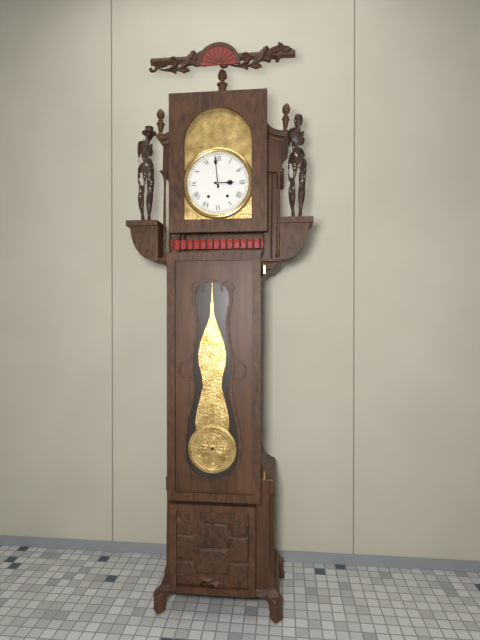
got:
2:59
